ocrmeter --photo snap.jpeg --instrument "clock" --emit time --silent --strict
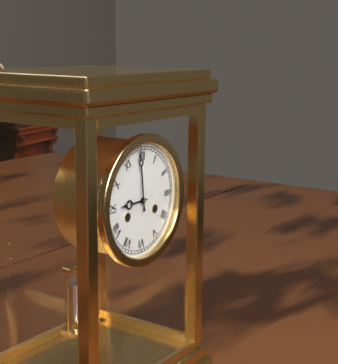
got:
8:59
